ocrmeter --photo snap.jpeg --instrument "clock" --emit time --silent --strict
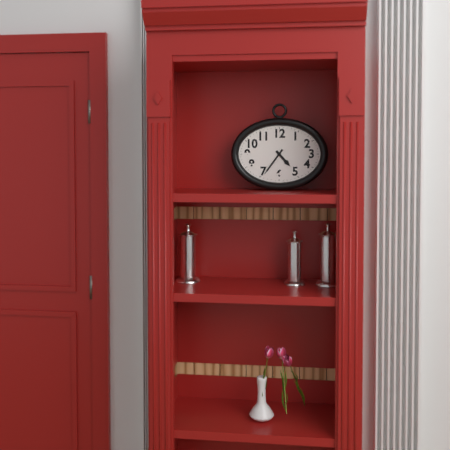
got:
4:36
